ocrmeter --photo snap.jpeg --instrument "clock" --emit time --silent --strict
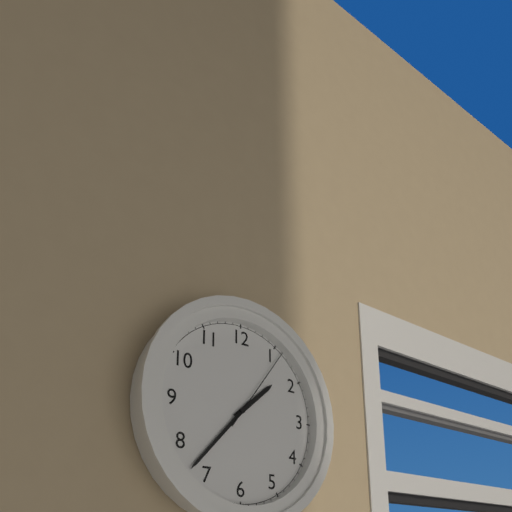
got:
1:37:06
